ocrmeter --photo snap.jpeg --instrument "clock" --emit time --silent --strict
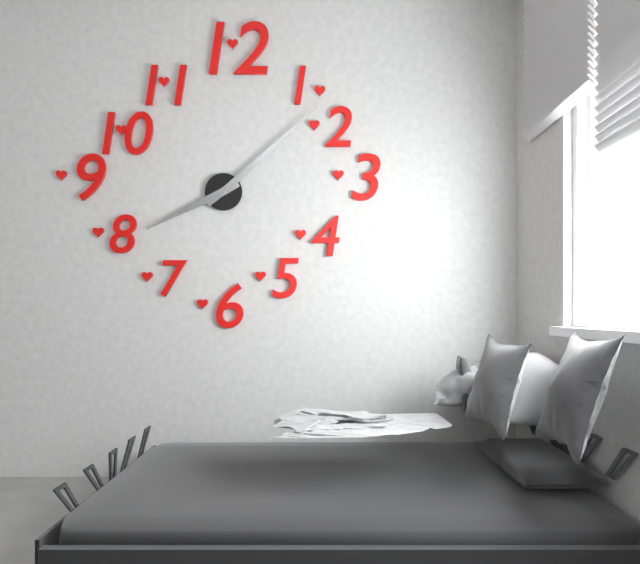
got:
8:08
